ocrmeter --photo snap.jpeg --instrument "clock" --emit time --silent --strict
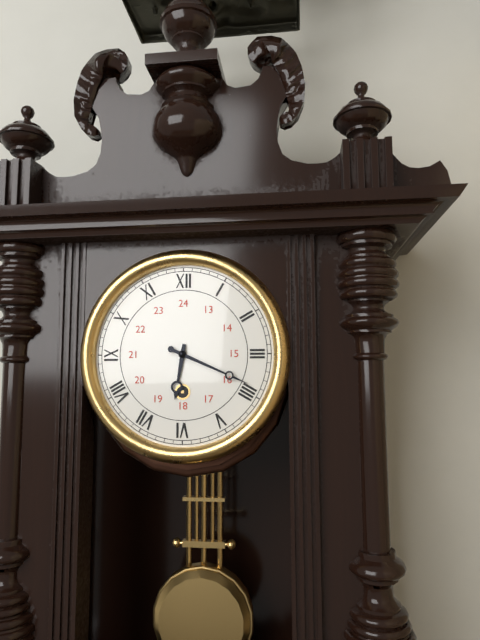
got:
6:19
